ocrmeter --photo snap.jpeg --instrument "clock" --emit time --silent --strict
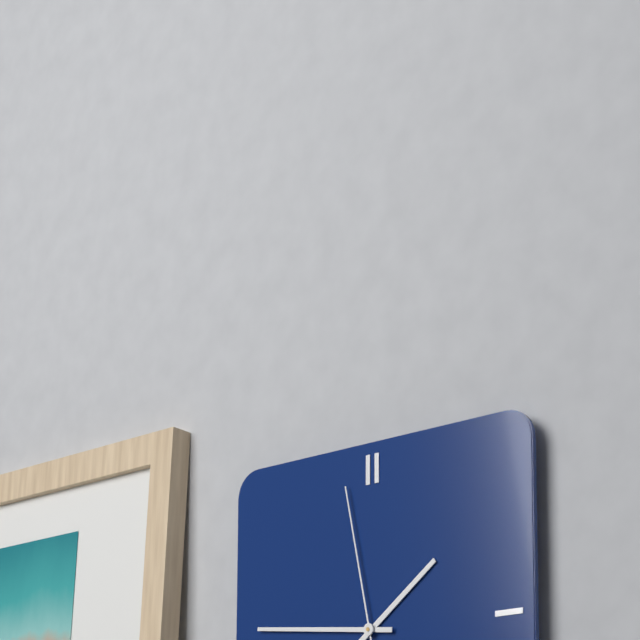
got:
1:46:58
